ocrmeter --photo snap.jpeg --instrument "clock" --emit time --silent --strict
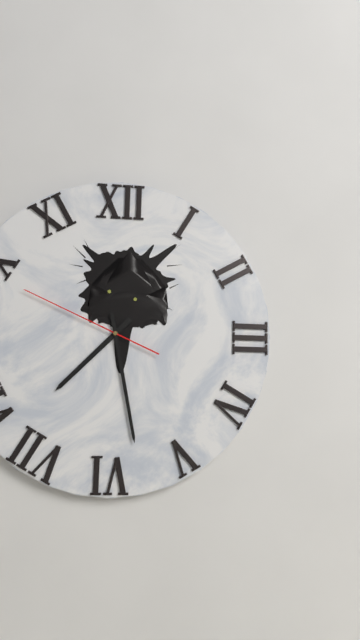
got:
7:28:49
